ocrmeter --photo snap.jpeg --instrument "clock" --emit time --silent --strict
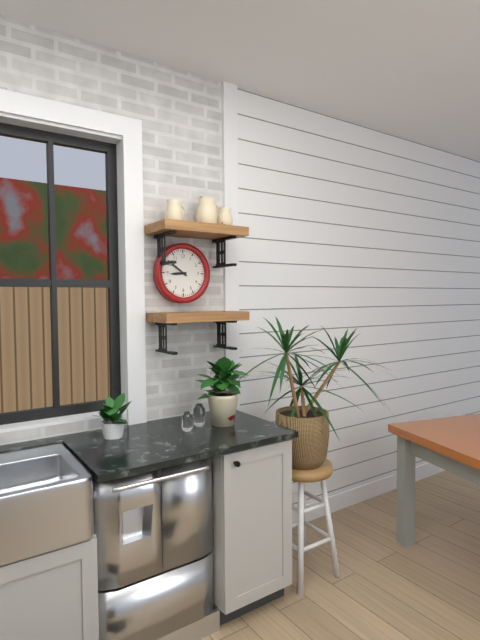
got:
8:51
